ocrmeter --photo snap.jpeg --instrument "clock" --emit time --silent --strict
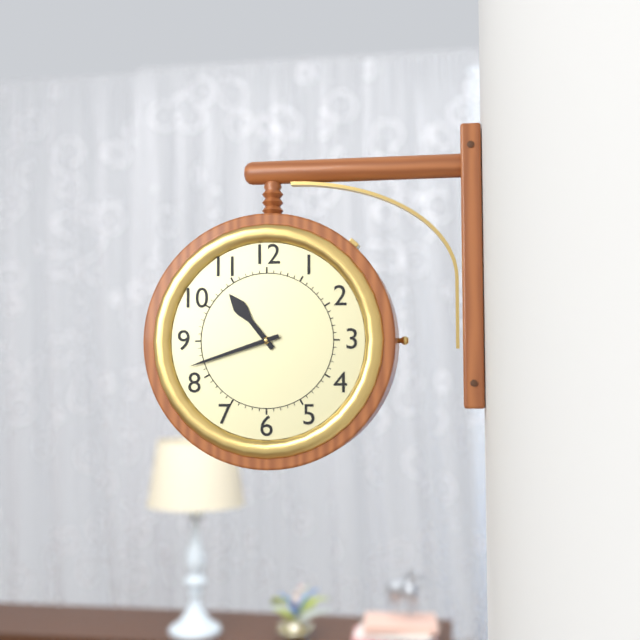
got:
10:42
